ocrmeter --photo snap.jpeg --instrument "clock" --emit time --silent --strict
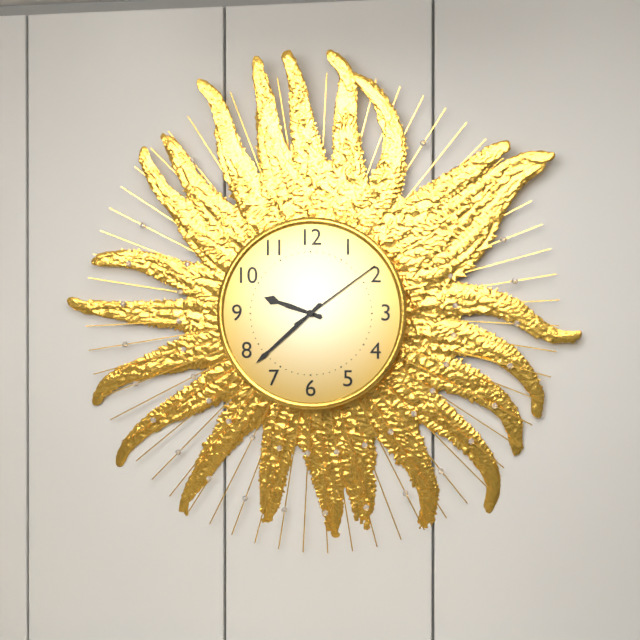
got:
9:38:09
